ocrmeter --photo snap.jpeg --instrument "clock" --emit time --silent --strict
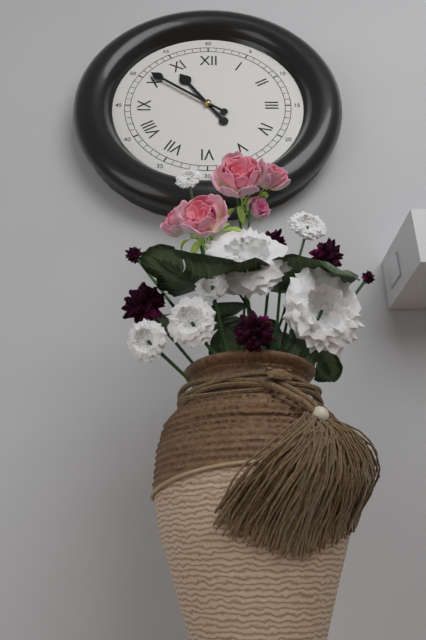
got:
10:51
